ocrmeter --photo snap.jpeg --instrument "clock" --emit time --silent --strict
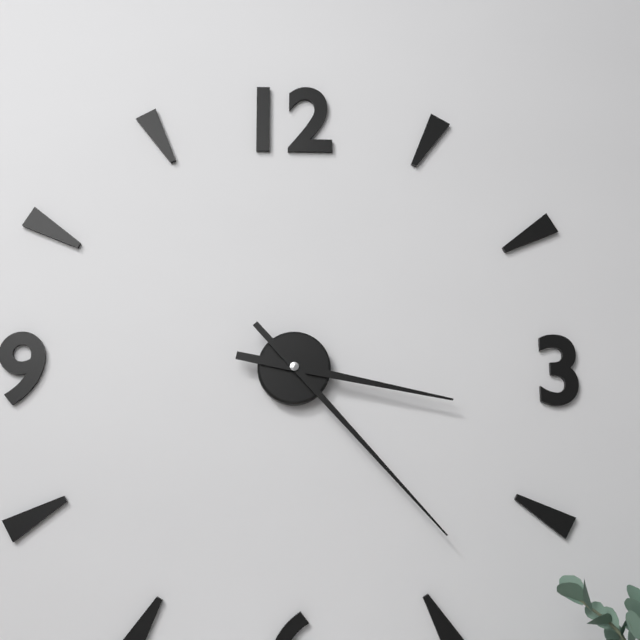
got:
3:23
